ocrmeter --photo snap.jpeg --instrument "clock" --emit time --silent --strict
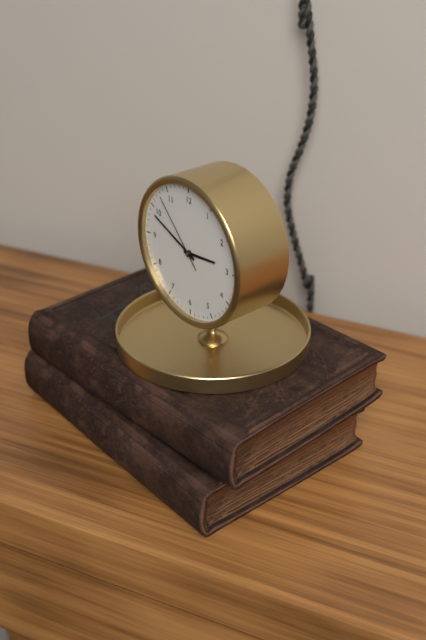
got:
2:49:53
